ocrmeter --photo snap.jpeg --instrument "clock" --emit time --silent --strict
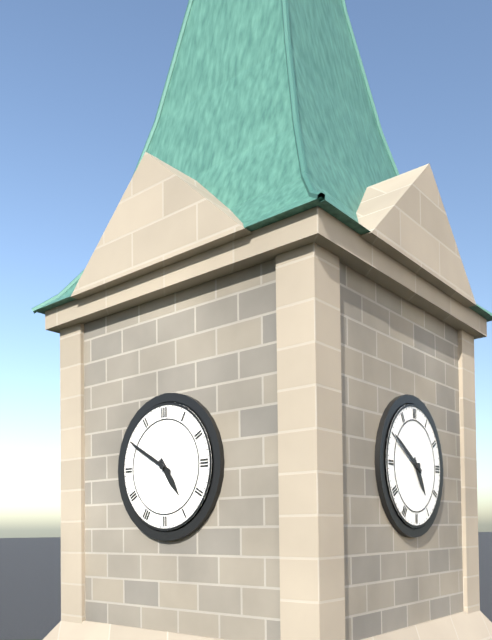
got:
4:50
